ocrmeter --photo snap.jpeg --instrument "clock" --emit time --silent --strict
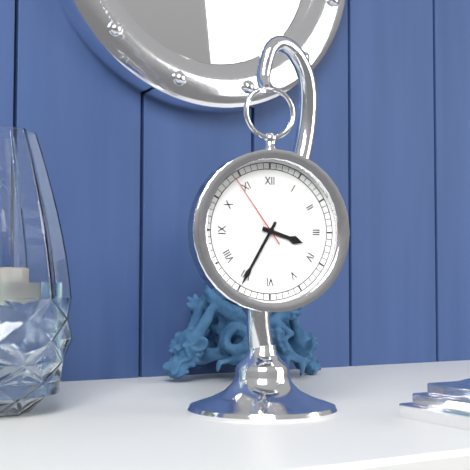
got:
3:35:54
